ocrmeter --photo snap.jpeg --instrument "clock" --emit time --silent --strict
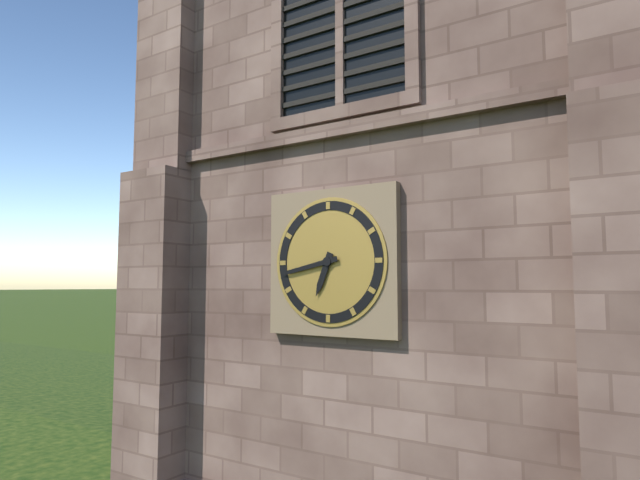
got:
6:43
